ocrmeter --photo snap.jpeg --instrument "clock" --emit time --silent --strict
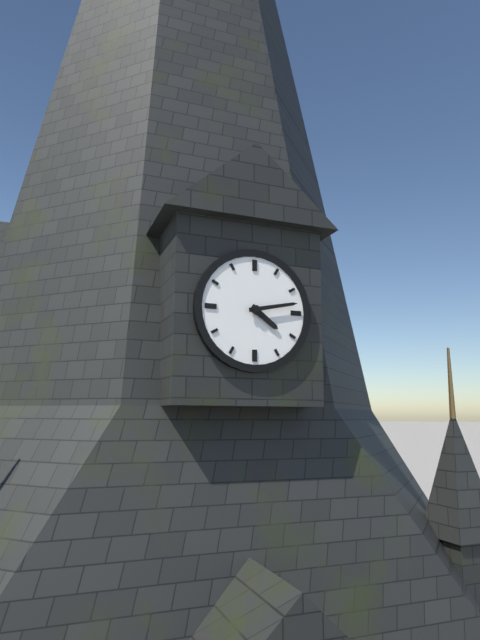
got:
4:13
